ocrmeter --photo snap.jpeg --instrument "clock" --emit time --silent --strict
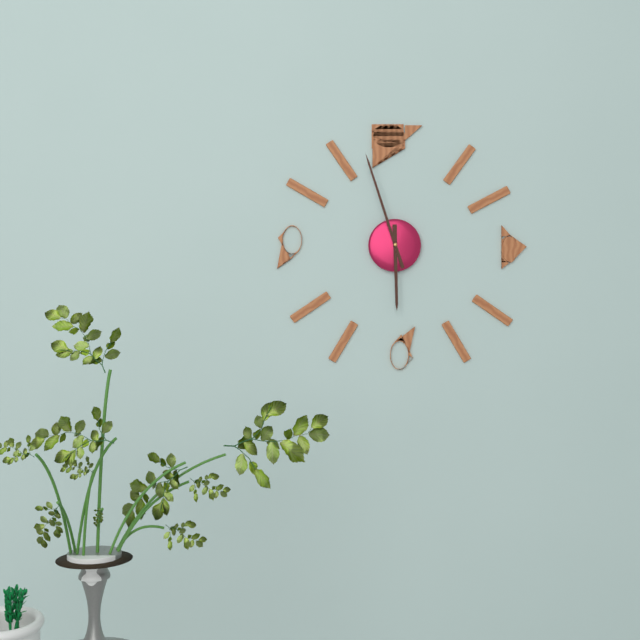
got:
5:57
